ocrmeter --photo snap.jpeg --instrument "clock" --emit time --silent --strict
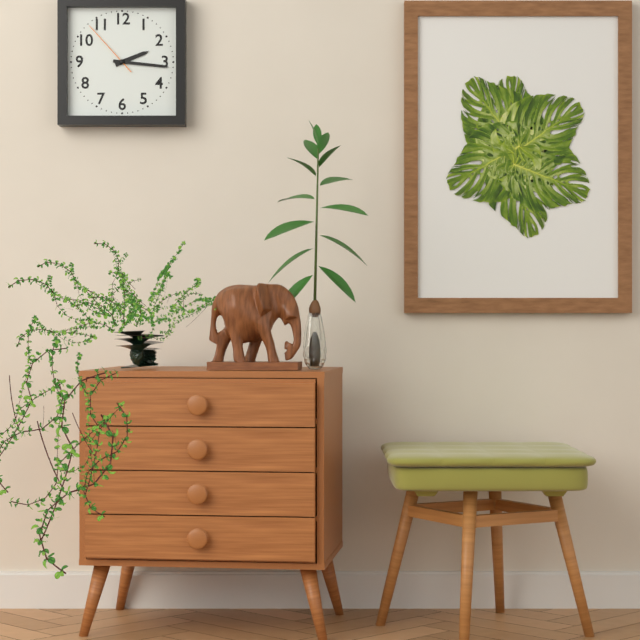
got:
2:16:53
